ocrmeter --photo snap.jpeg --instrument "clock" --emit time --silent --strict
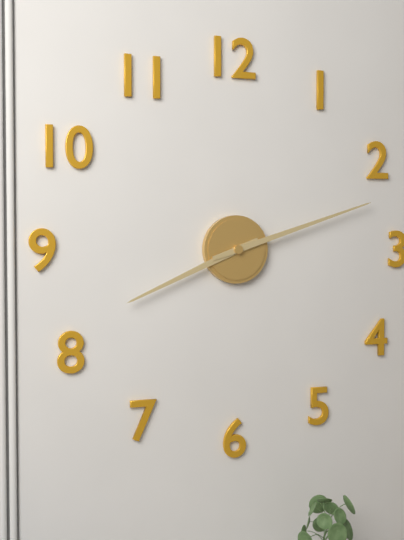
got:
8:12
